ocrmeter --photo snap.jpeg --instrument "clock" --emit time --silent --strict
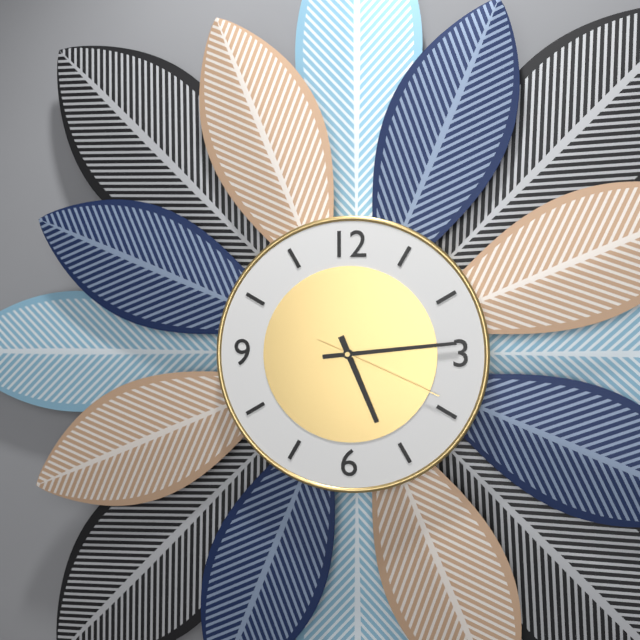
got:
5:14:19
